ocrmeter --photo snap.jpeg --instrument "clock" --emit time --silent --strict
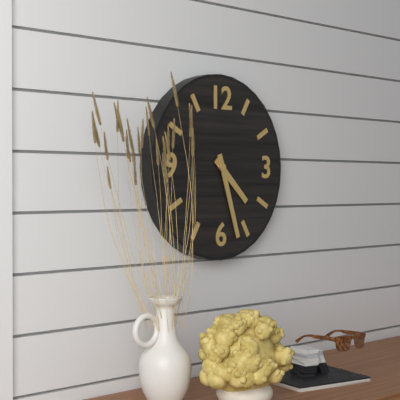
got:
4:27
